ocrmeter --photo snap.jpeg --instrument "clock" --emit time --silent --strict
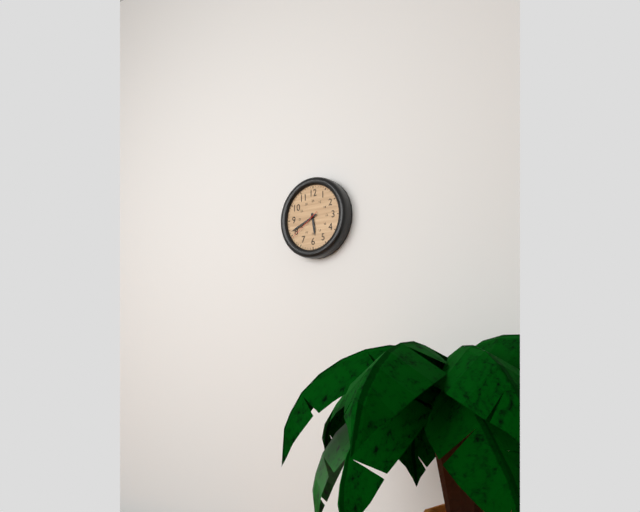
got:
5:41
